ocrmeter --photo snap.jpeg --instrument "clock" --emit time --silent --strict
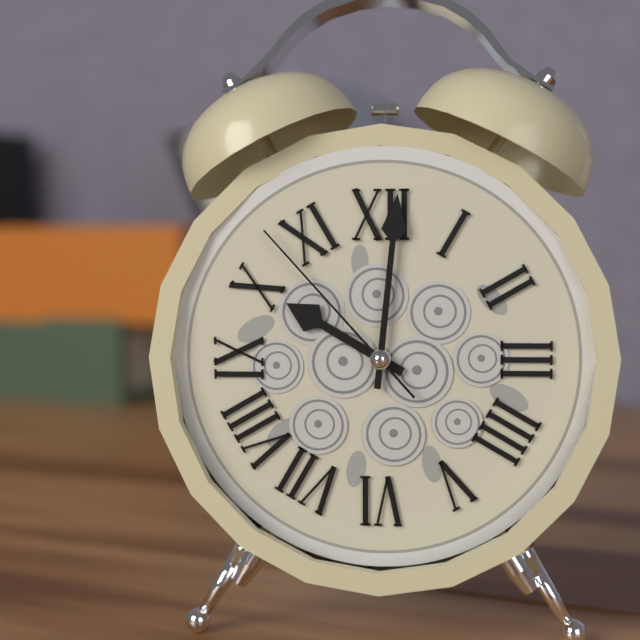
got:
10:01:53
